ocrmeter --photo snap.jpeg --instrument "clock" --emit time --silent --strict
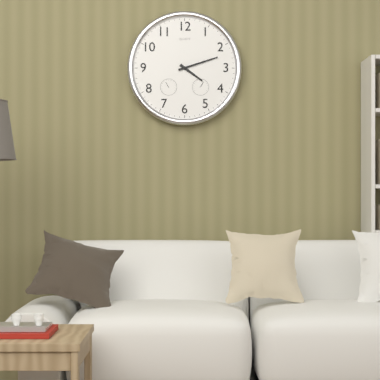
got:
4:12
